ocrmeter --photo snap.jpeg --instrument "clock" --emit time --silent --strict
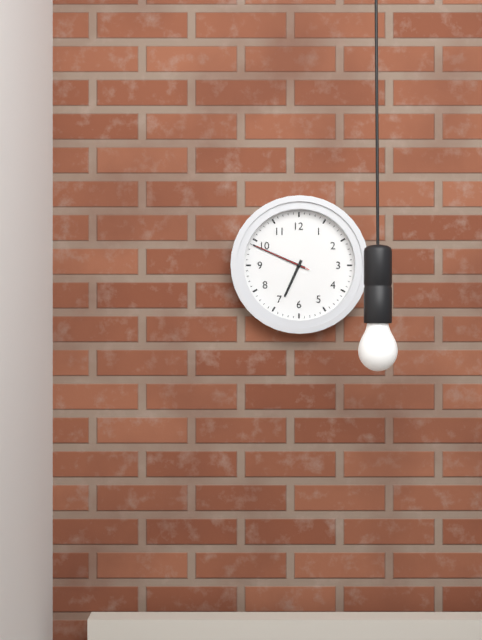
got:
6:49:49
